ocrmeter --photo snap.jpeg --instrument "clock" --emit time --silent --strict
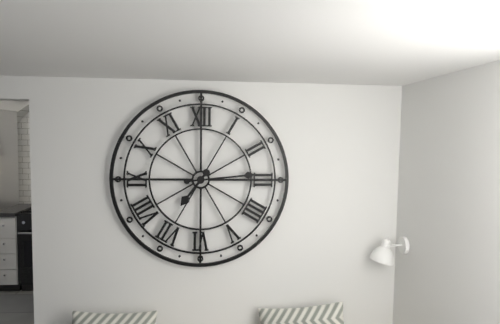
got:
7:14
